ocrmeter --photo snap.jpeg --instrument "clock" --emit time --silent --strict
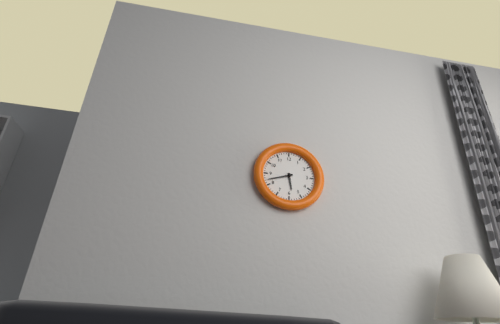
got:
5:42
